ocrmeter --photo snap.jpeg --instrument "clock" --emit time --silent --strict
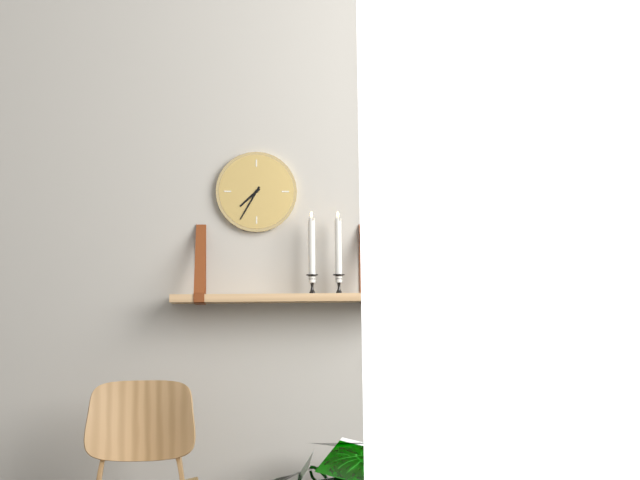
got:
7:35
